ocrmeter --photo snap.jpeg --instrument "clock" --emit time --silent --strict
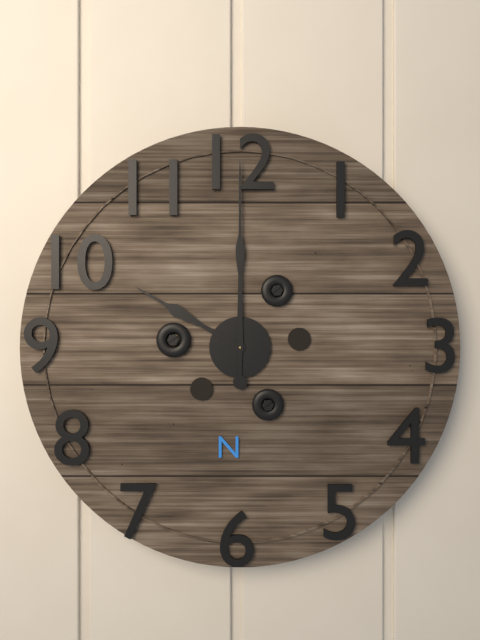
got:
10:00
